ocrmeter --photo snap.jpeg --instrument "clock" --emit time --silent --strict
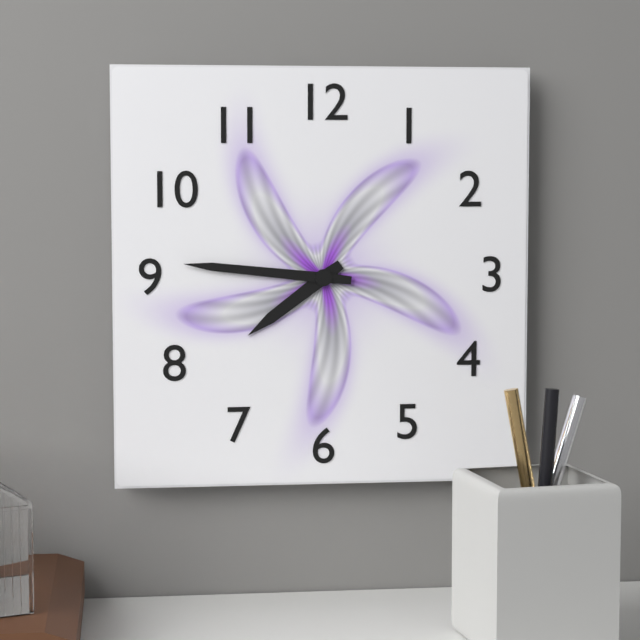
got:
7:46
